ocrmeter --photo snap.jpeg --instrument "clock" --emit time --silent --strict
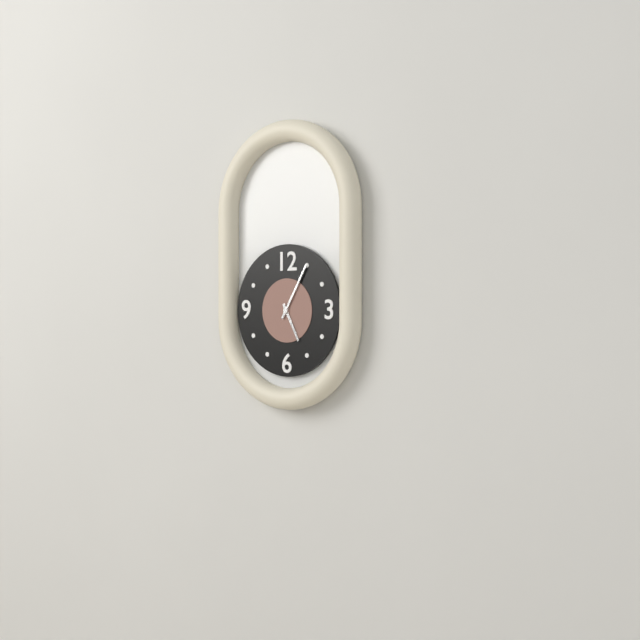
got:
5:05
